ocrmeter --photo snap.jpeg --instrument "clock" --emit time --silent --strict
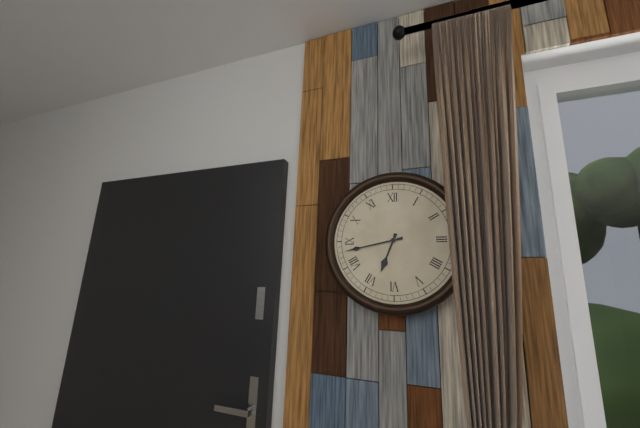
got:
6:43
